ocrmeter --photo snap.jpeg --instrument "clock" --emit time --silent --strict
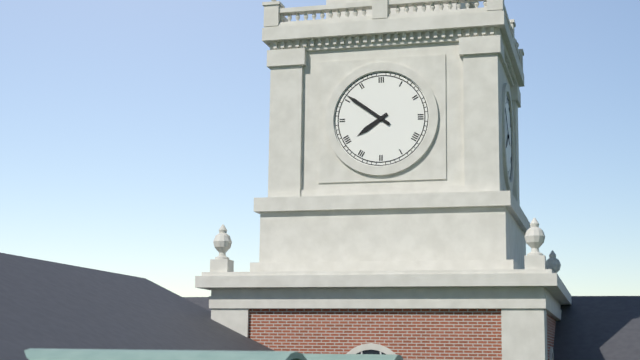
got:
7:51
